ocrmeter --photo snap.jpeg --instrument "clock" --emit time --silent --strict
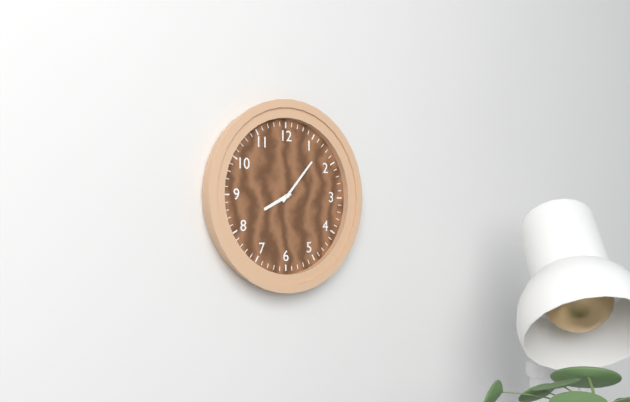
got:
8:07
